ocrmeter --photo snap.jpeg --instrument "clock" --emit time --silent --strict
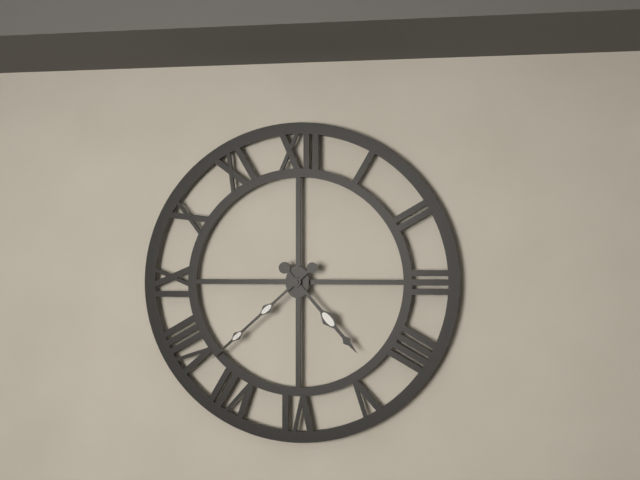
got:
4:38
